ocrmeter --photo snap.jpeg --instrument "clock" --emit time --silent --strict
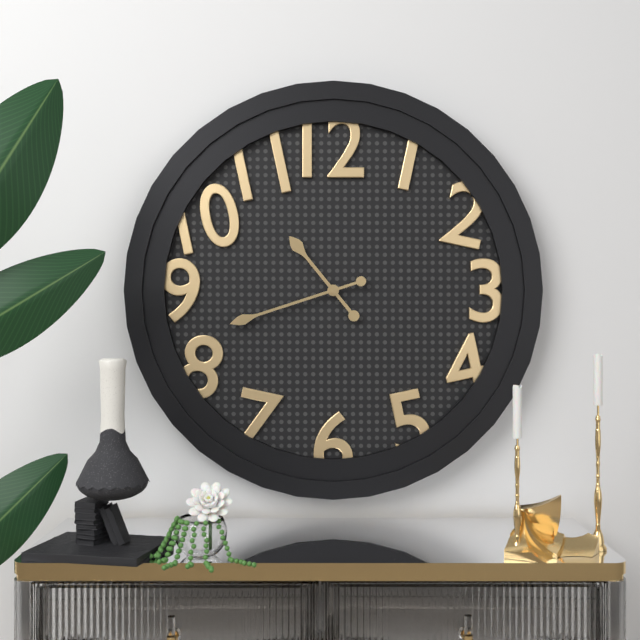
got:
10:42
